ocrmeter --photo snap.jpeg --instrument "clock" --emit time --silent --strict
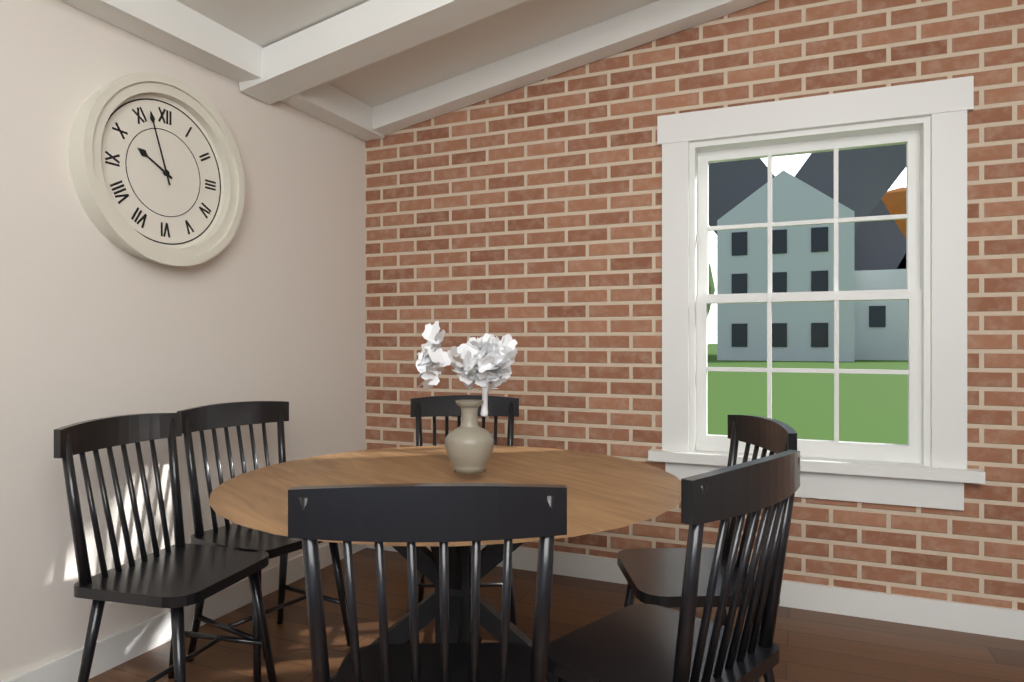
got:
9:57
